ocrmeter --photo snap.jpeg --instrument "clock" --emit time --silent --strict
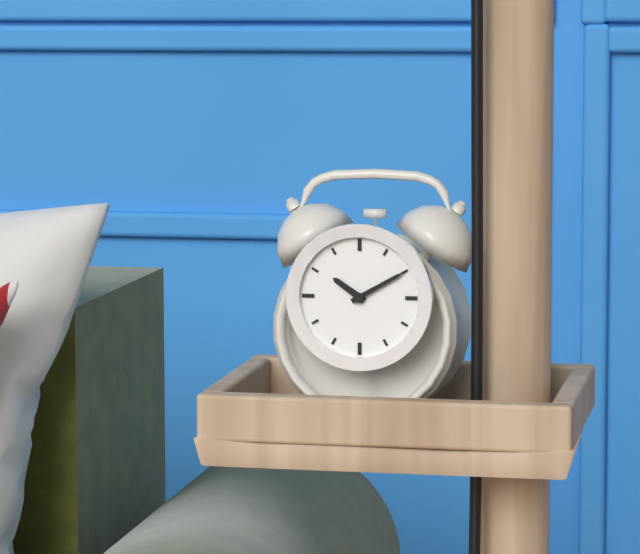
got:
10:10
